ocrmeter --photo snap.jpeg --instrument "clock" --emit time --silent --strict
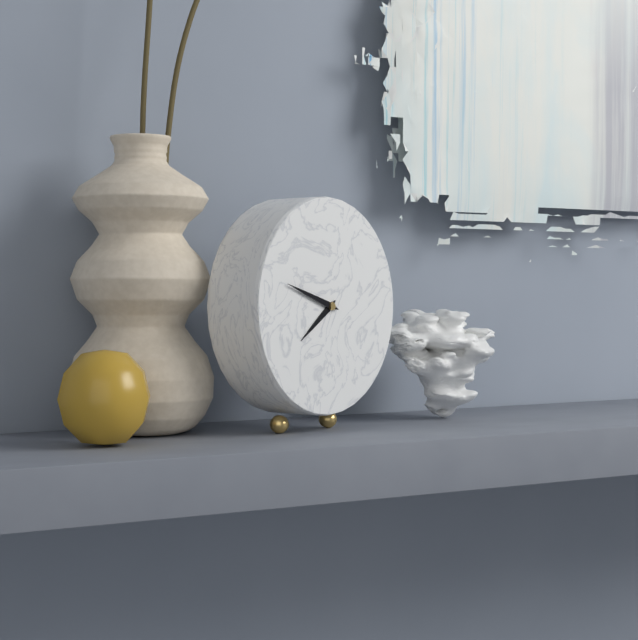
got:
7:48
